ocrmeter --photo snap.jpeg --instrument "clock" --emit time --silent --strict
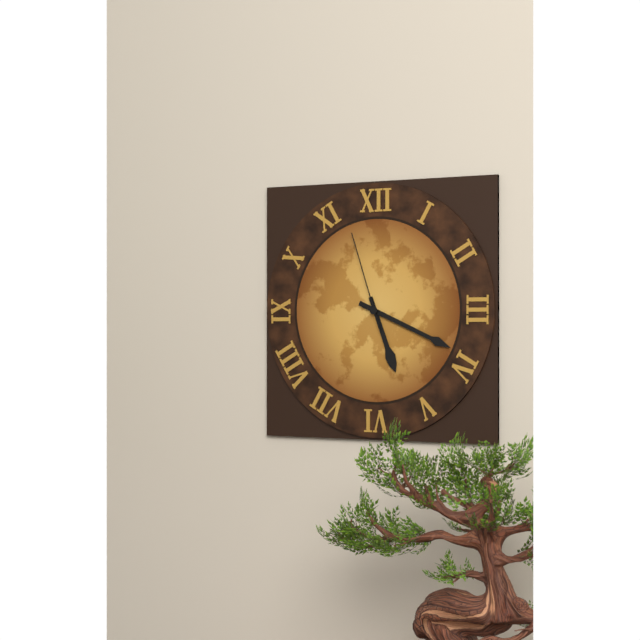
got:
5:19:57
